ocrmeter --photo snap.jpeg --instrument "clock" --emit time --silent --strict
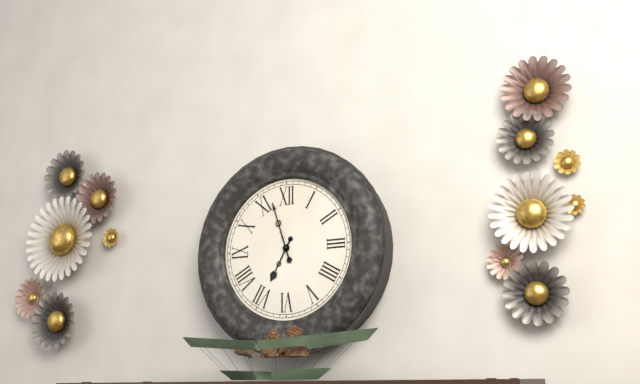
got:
6:57
